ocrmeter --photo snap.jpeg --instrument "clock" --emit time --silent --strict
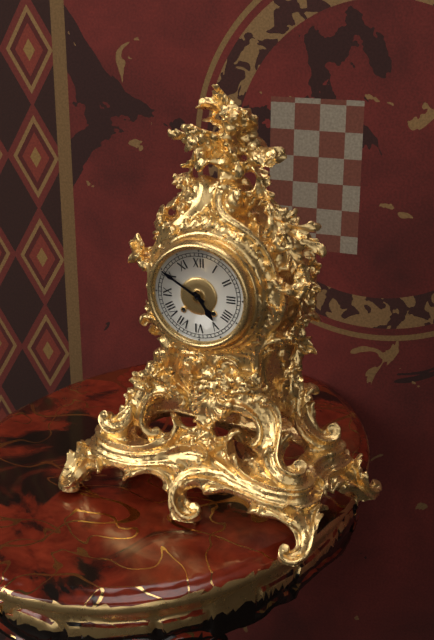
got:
4:50
